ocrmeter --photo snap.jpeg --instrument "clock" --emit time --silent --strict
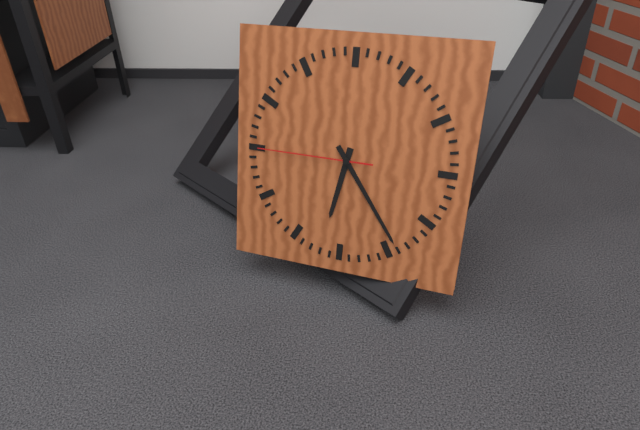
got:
6:24:45
